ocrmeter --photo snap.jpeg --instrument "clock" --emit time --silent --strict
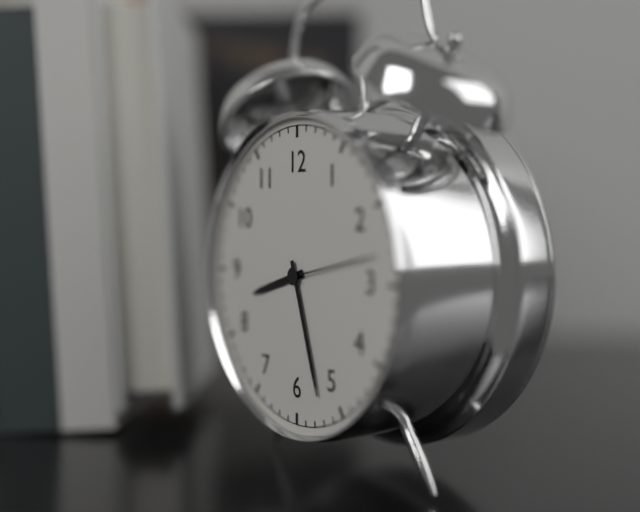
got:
8:27:13
